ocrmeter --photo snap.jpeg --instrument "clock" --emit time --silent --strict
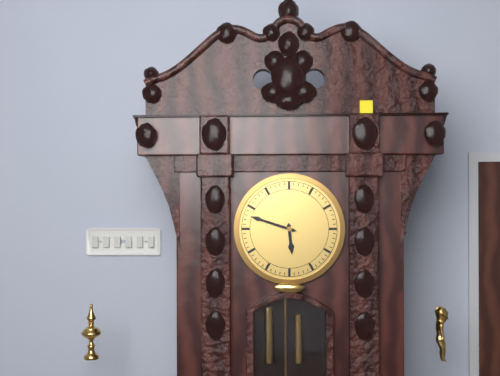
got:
5:48
